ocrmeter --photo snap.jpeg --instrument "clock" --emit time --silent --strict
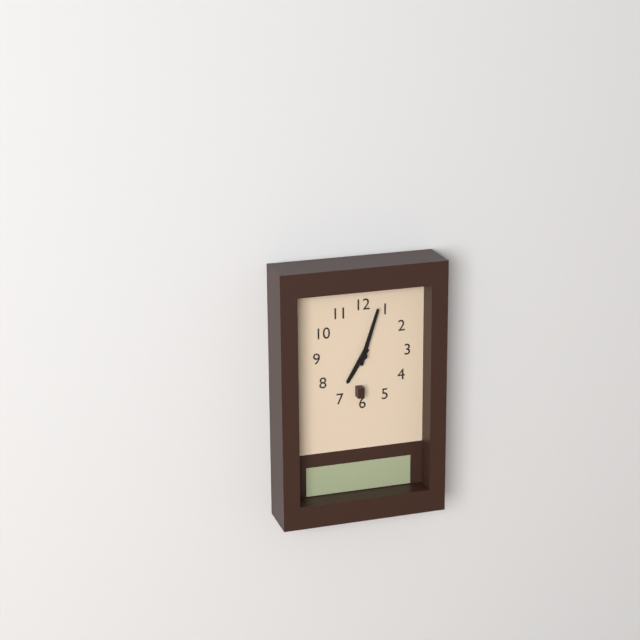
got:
7:03
